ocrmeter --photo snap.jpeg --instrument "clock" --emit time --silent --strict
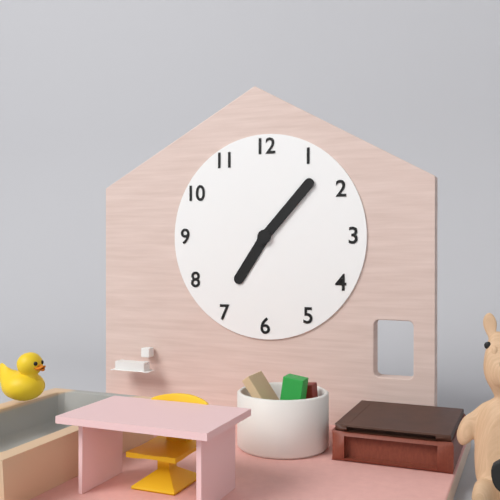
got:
7:07
